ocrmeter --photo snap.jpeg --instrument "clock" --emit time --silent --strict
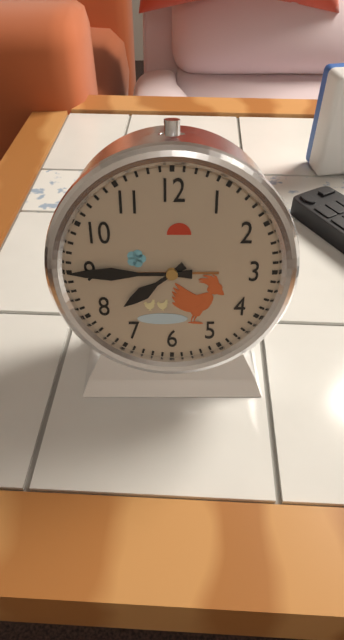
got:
7:45
